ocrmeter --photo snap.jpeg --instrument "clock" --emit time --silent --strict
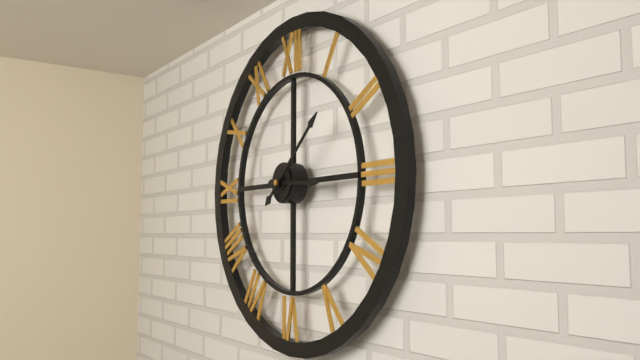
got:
3:08
